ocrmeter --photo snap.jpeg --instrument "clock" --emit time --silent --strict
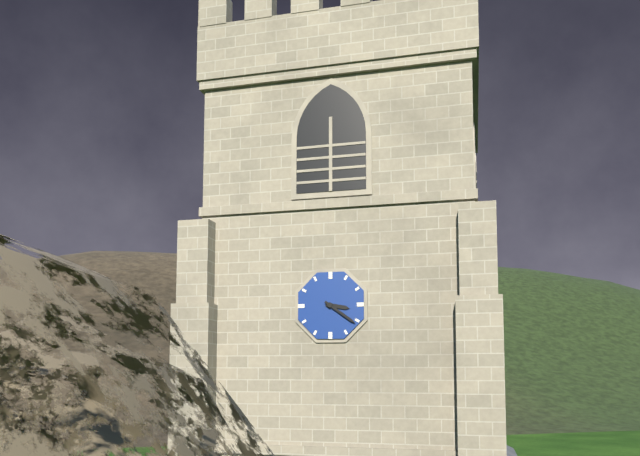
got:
3:21
